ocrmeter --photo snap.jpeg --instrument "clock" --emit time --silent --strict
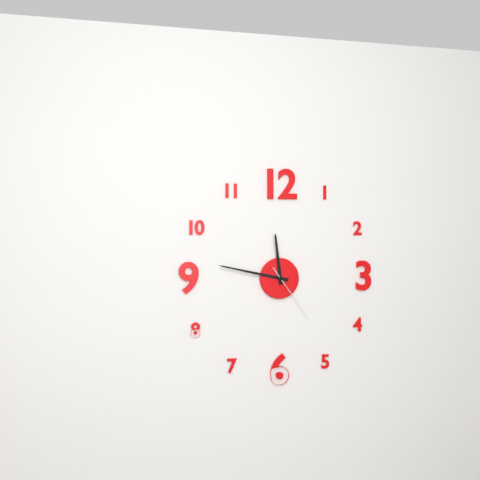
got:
11:47:24
